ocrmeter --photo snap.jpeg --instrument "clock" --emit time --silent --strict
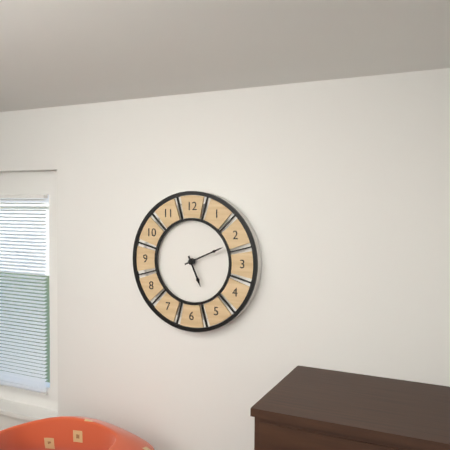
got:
5:11
